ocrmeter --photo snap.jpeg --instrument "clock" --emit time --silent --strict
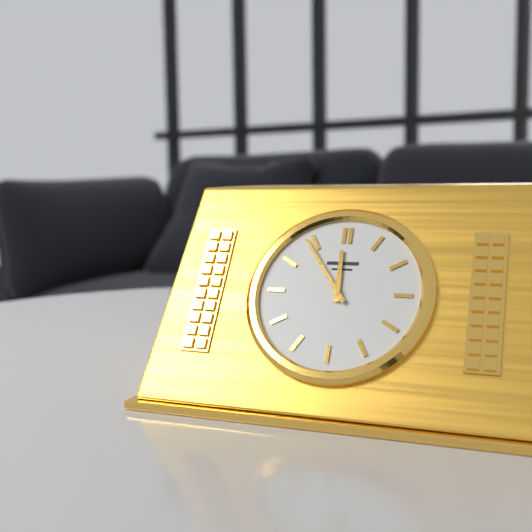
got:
11:54
